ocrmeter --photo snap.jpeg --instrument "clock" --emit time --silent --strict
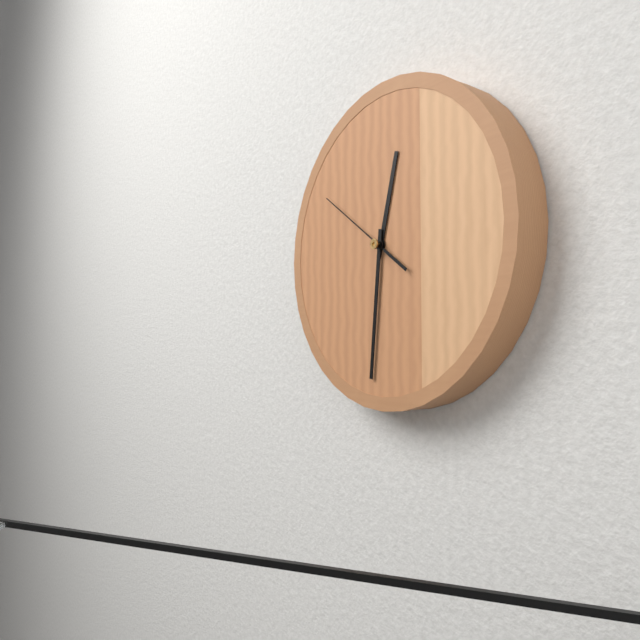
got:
12:31:51
